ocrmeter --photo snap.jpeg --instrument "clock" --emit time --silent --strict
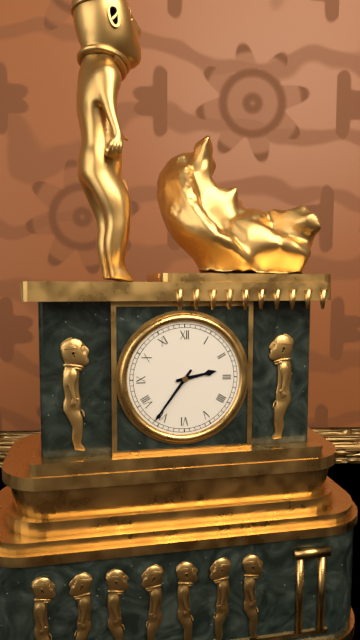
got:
2:36
